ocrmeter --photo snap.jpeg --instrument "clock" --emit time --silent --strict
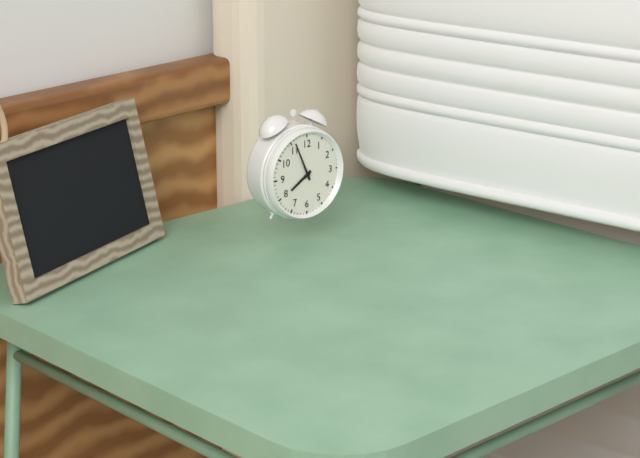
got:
7:56
